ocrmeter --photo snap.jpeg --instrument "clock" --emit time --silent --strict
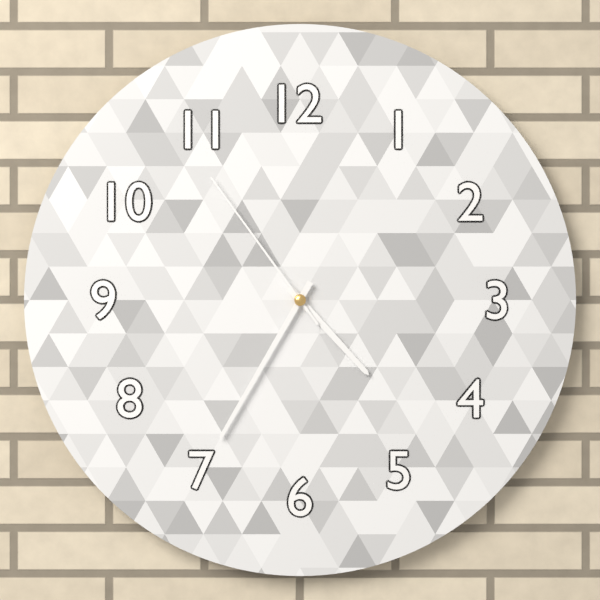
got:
4:35:54
